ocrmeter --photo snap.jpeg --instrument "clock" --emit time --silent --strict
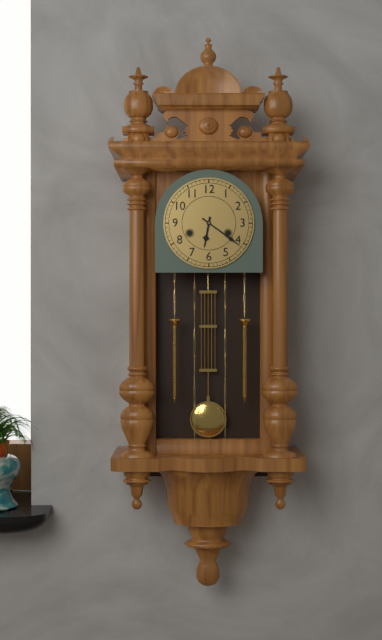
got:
6:21
